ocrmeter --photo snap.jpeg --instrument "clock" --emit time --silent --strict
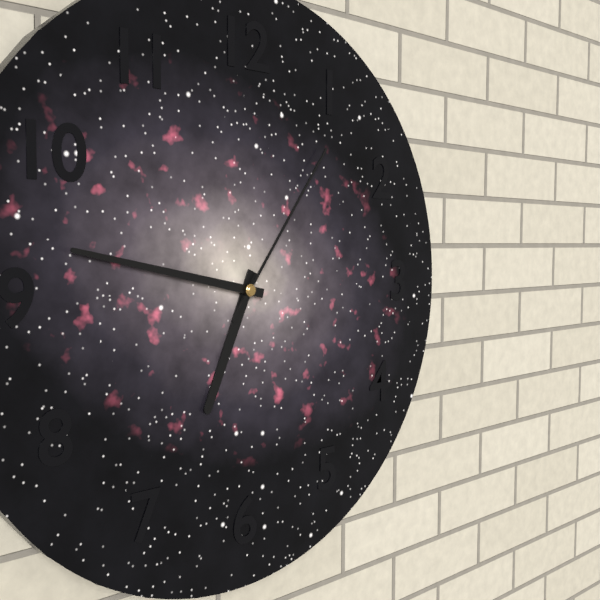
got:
6:47:06
